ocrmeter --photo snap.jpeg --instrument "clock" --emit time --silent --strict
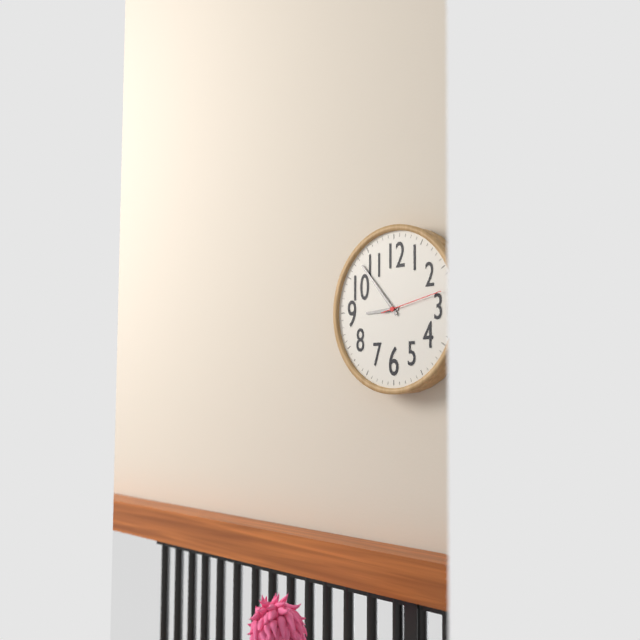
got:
8:53:13
